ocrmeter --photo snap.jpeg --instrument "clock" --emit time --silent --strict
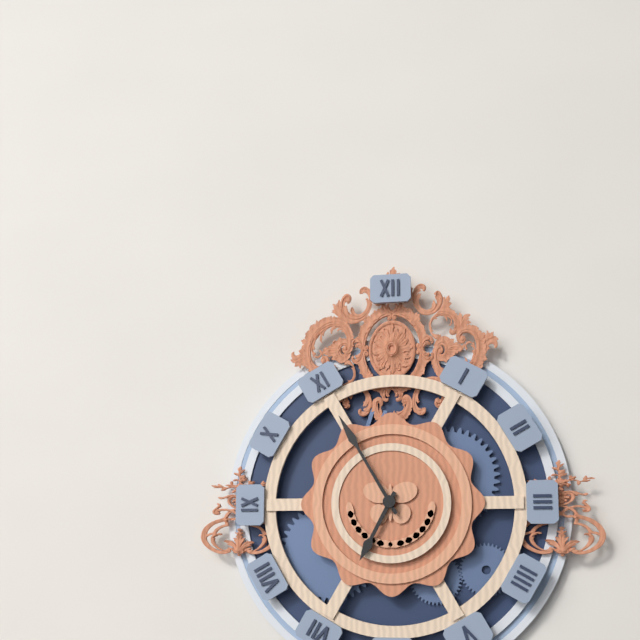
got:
6:55
